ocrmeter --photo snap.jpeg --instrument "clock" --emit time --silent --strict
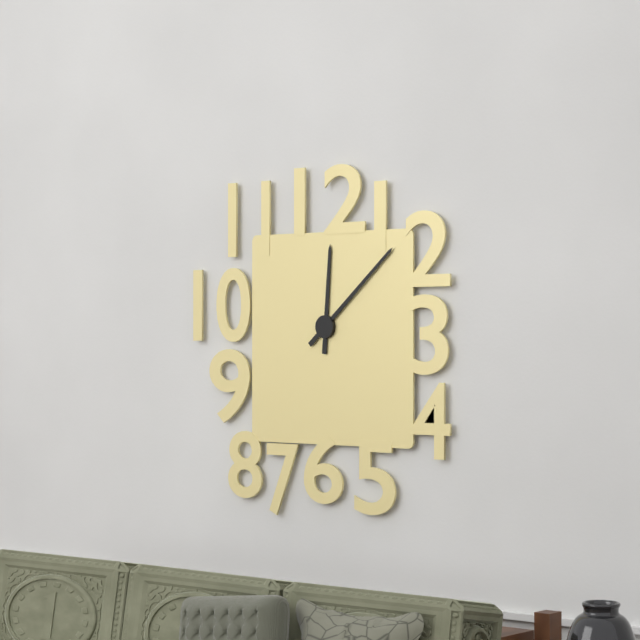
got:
12:08
